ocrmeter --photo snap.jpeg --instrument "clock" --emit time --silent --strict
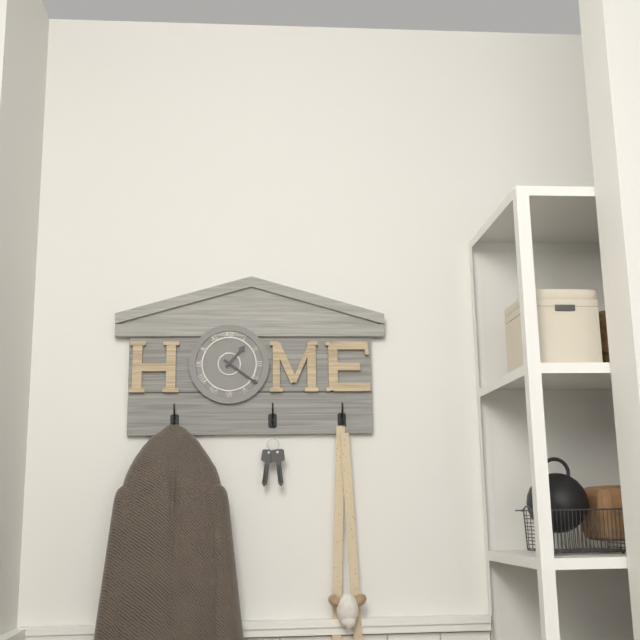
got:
1:21
